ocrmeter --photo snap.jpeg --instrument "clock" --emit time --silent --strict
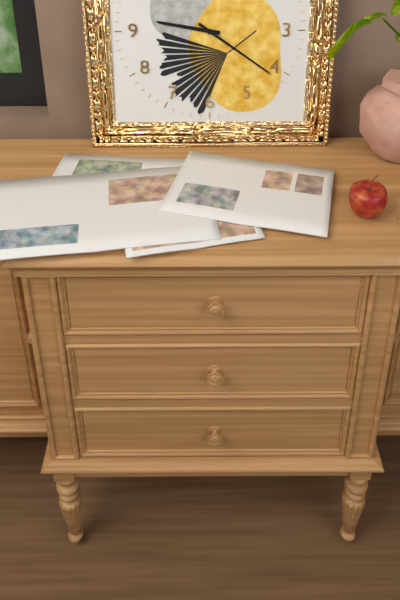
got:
9:21
